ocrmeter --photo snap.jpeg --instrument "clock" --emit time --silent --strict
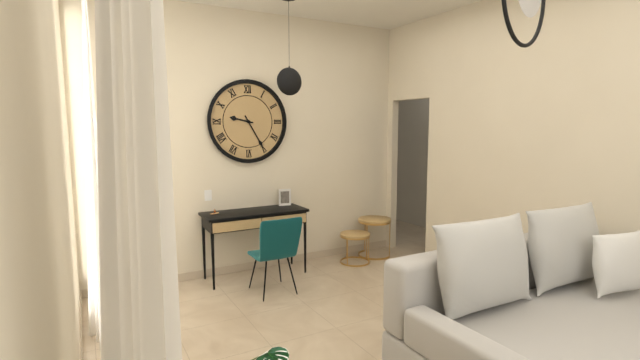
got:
9:25
